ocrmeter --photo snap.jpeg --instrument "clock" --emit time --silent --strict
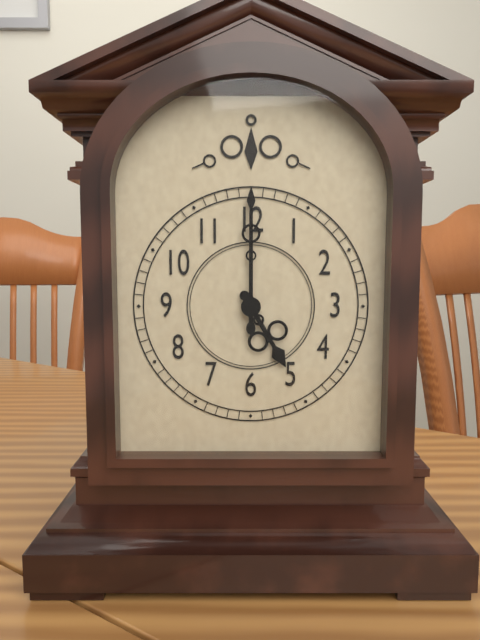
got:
5:00
